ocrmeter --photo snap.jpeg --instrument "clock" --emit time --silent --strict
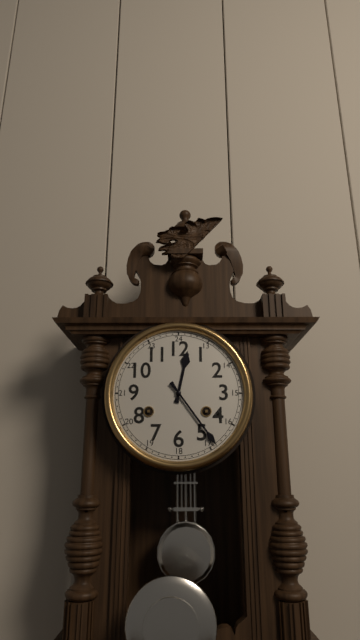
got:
12:24
